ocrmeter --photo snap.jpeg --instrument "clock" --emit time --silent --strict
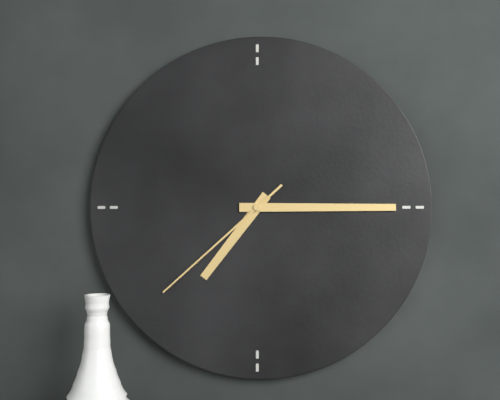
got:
7:15:38
